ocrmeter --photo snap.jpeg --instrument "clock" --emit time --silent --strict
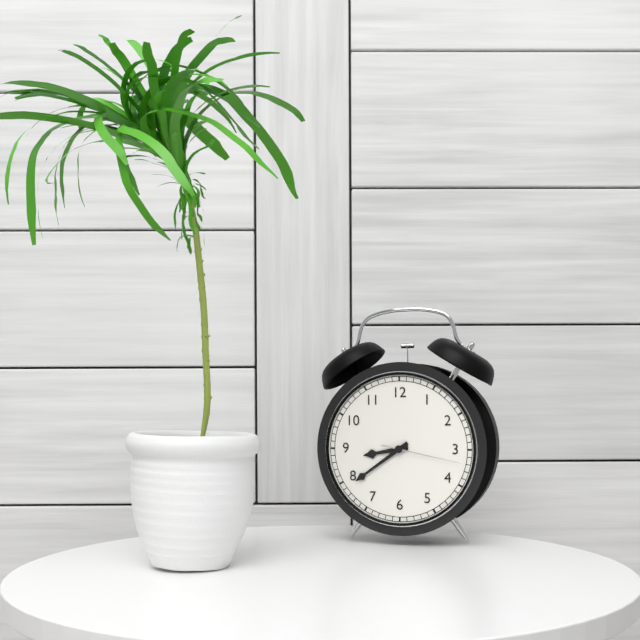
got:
8:39:17
